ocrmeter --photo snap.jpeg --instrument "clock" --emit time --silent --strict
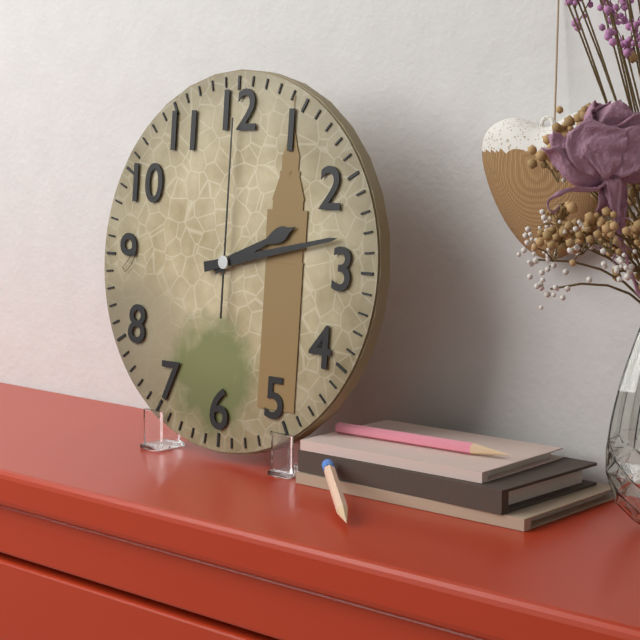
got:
2:13:00
